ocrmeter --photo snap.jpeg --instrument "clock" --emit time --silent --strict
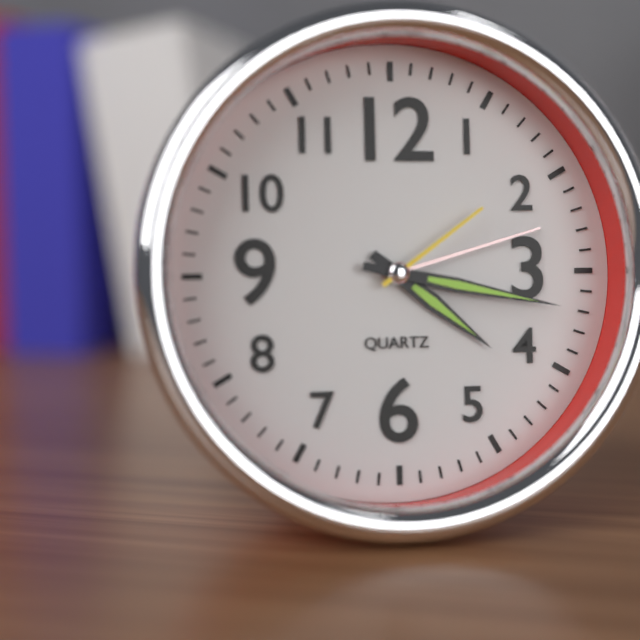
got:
4:17:09
